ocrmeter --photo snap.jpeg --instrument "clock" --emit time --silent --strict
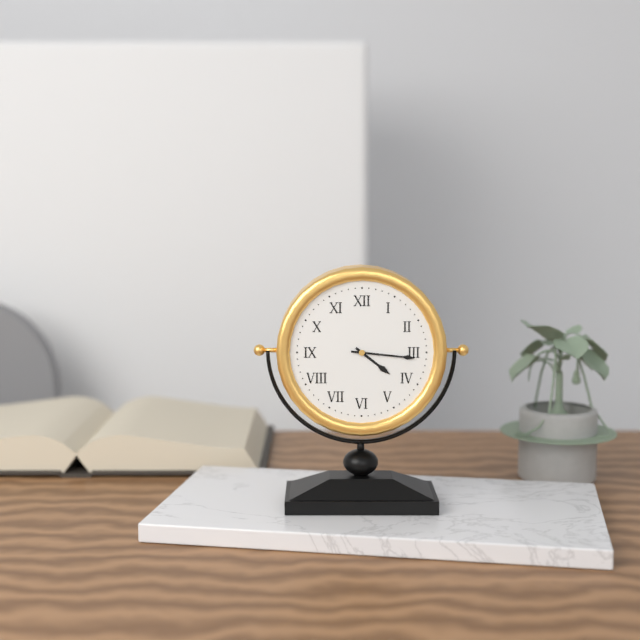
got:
4:16
